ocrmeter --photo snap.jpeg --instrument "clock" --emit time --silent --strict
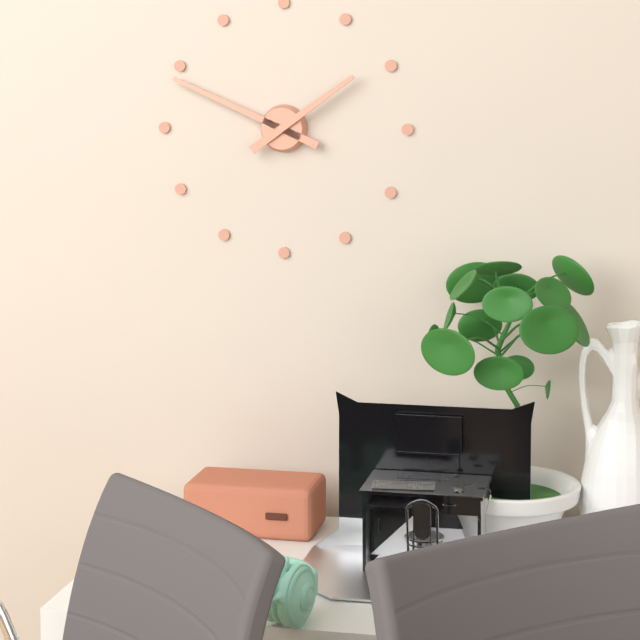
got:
1:49
